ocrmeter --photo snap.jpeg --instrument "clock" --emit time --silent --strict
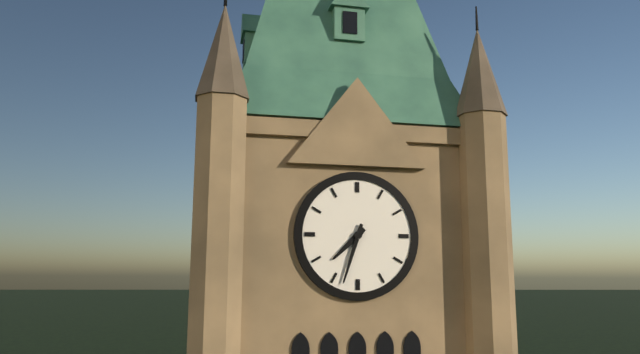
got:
7:33
